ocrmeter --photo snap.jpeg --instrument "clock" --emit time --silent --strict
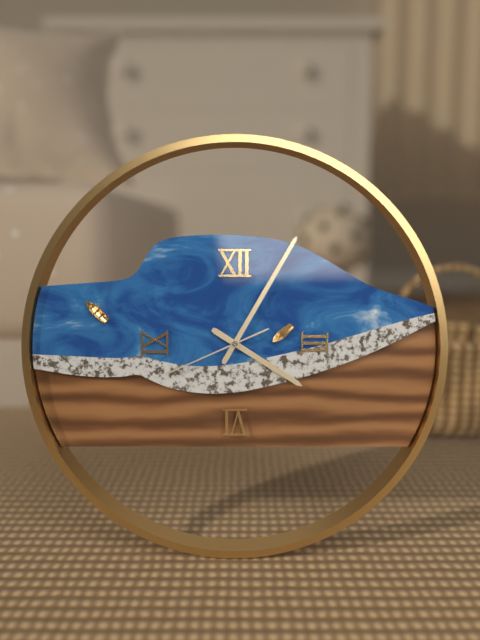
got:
4:05:41
